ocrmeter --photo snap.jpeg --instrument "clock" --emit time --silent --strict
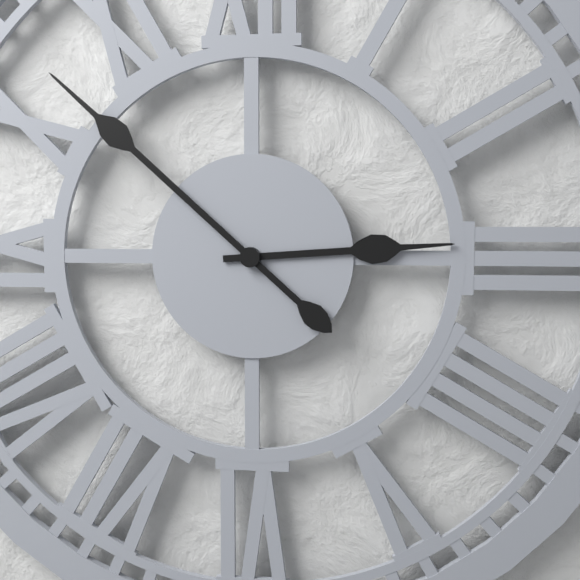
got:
2:52
